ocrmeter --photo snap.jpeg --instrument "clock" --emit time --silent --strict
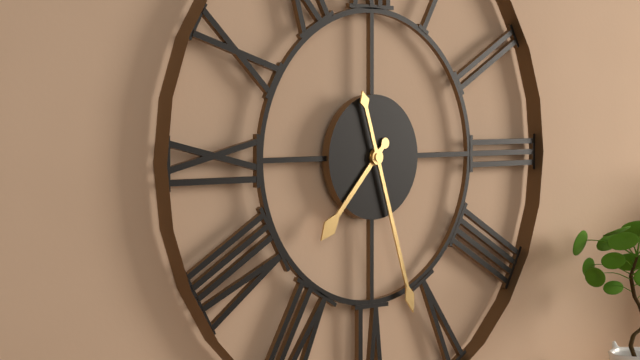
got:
7:27
